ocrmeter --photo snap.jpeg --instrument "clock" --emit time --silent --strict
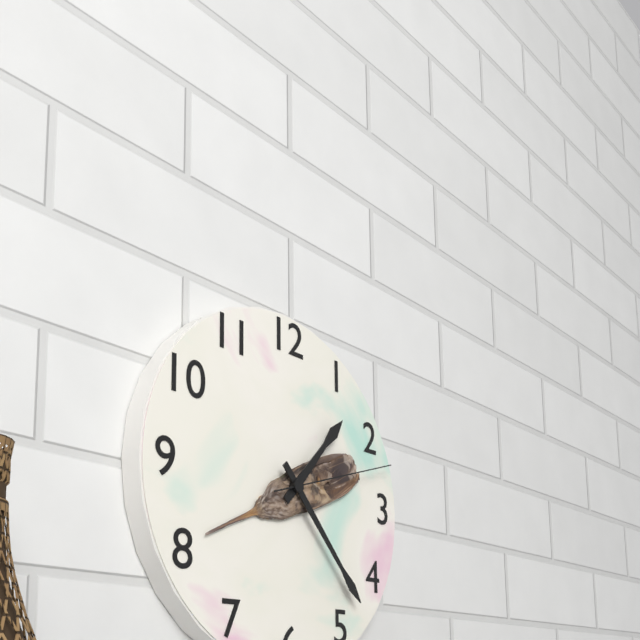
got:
1:23:12
